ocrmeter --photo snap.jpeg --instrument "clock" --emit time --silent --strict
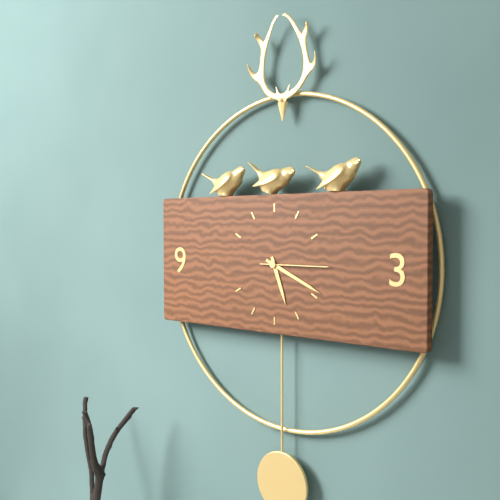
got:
5:19:15
